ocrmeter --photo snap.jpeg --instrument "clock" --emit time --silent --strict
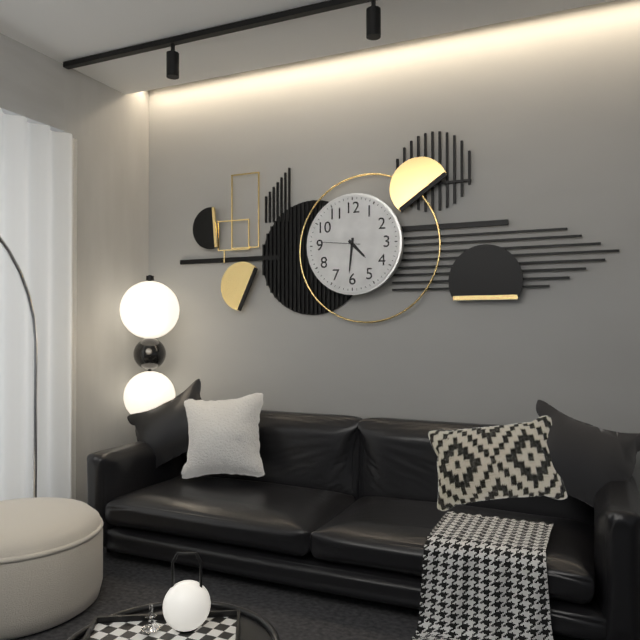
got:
4:31
